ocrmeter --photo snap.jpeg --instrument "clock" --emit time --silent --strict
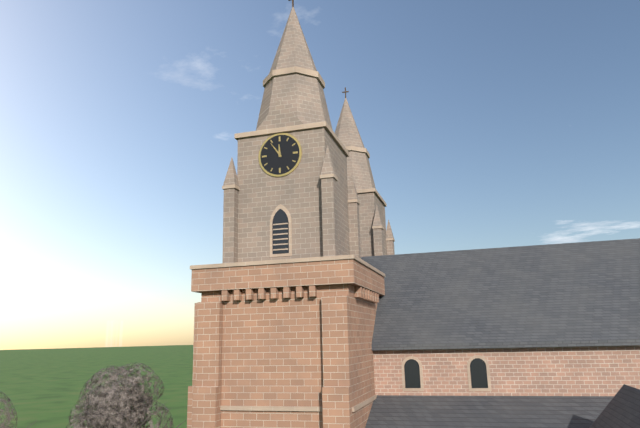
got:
11:54
